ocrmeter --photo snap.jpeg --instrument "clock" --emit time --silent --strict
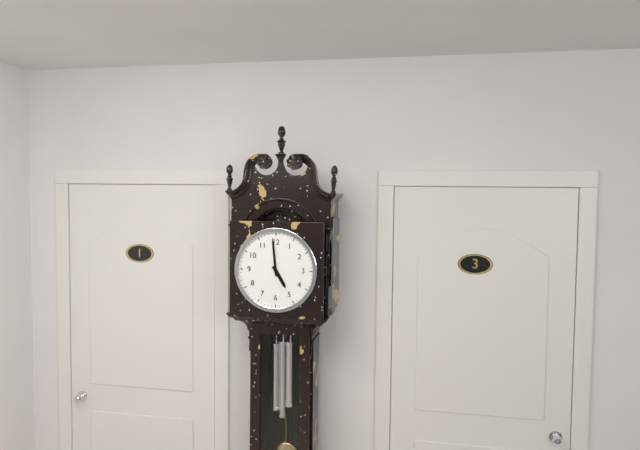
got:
4:59
